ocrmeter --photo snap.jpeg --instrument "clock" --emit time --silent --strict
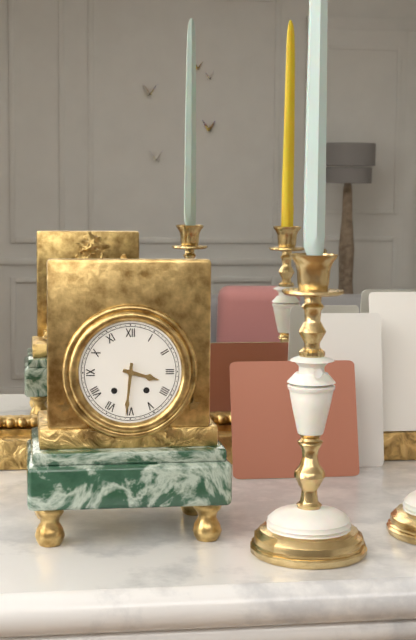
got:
3:31
